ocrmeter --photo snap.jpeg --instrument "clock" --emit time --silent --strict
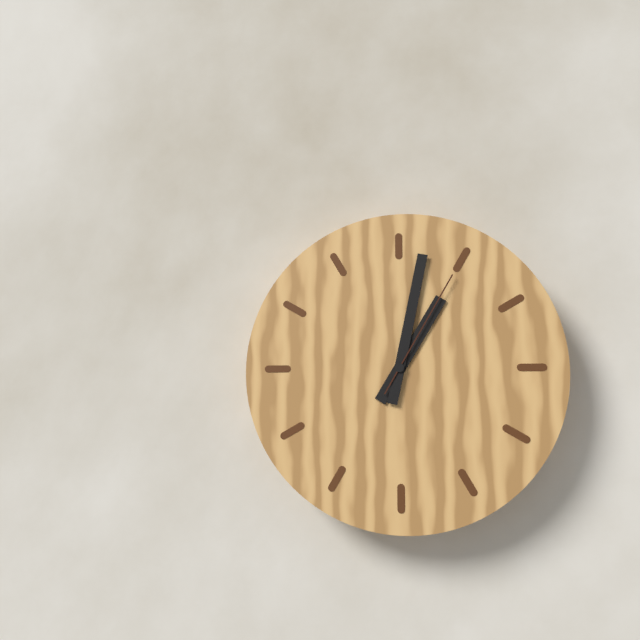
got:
1:02:05
